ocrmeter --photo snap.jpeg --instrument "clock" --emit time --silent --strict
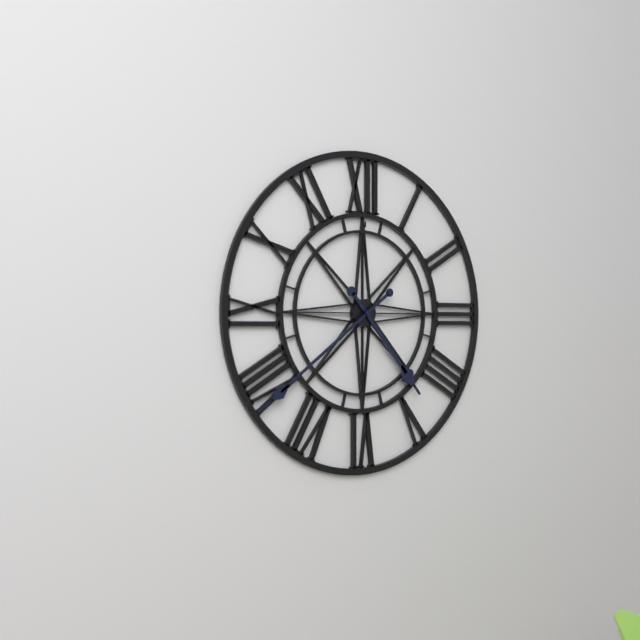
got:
4:39
